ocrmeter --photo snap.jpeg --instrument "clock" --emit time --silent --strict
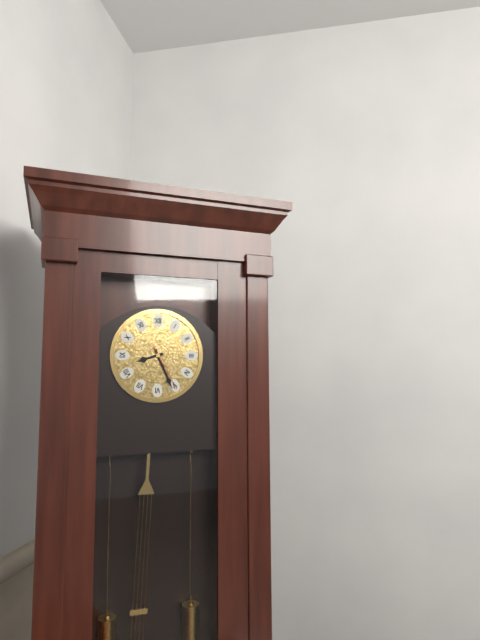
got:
8:26
